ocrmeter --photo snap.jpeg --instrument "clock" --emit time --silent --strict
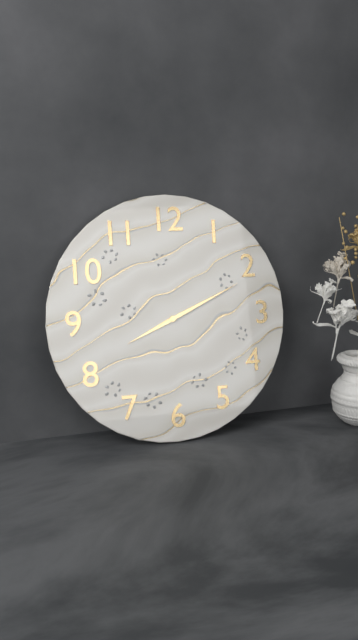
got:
8:11
